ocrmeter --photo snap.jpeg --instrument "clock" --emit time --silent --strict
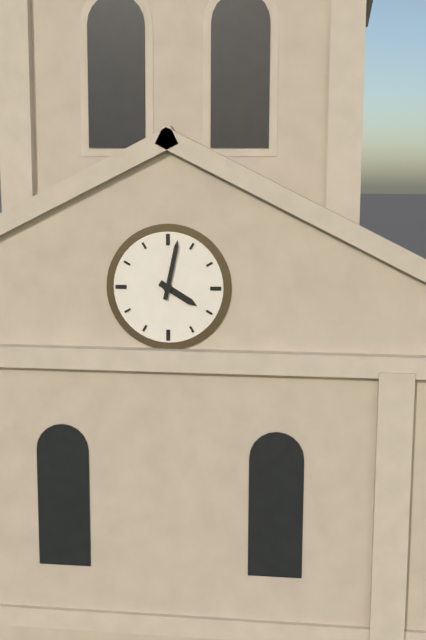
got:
4:02
